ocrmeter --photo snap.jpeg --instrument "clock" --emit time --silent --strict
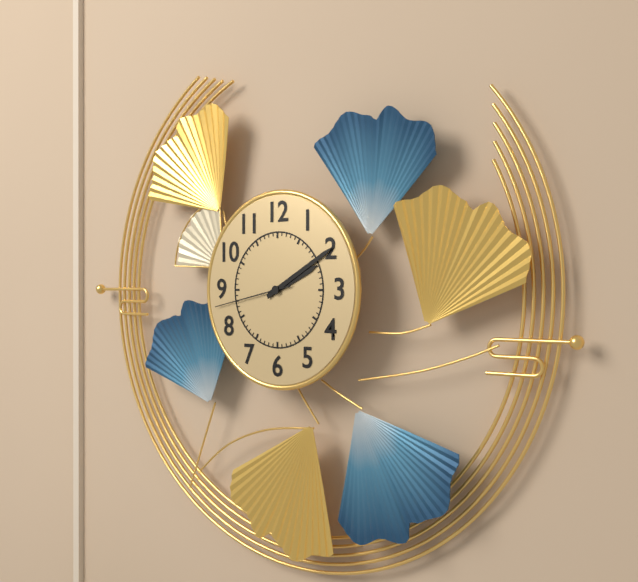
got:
2:10:43
